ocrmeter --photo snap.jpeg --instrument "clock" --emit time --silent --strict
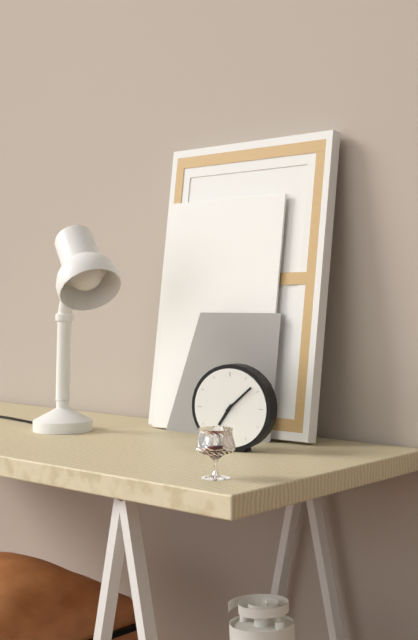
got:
7:08
